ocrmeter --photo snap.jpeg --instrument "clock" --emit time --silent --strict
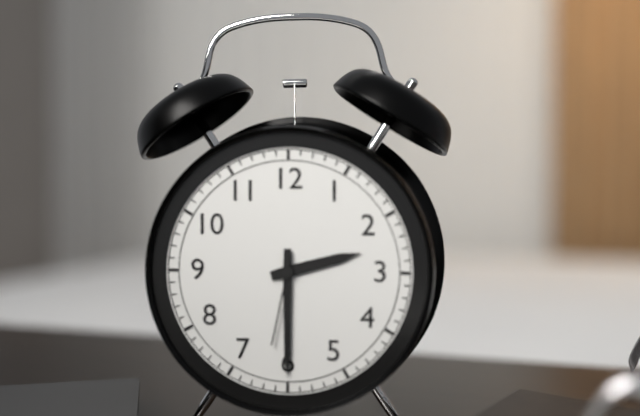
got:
2:30:32
